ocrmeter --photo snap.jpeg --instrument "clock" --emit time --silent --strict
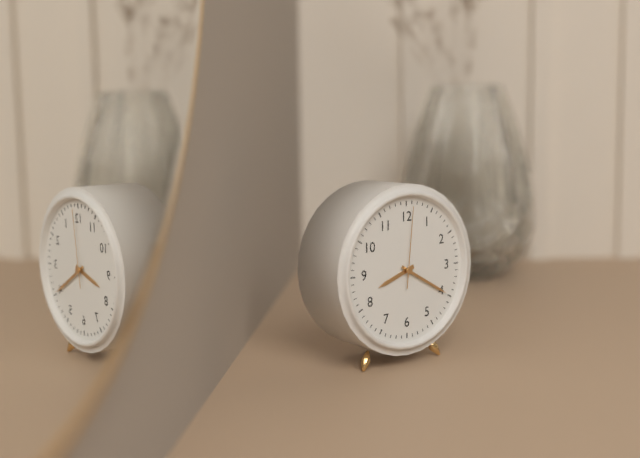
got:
8:20:01
